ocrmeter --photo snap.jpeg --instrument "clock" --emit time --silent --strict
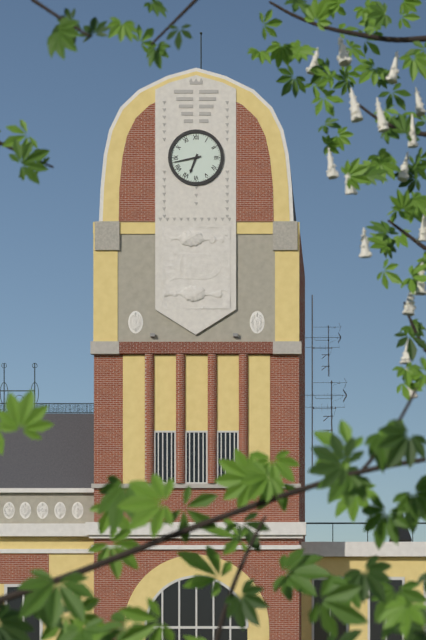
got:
6:43
